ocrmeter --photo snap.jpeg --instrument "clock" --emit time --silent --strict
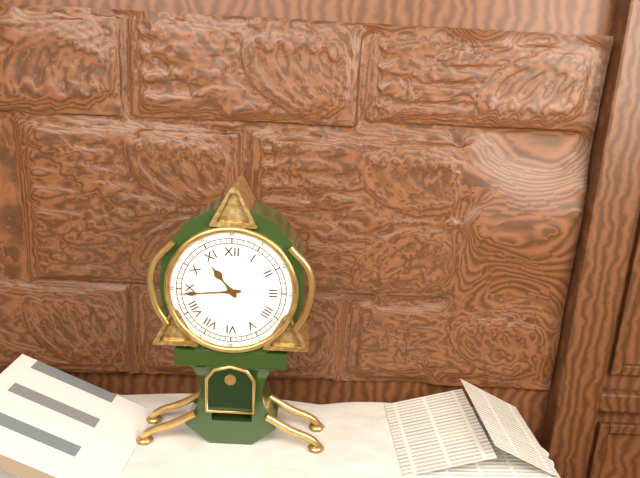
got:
10:44
